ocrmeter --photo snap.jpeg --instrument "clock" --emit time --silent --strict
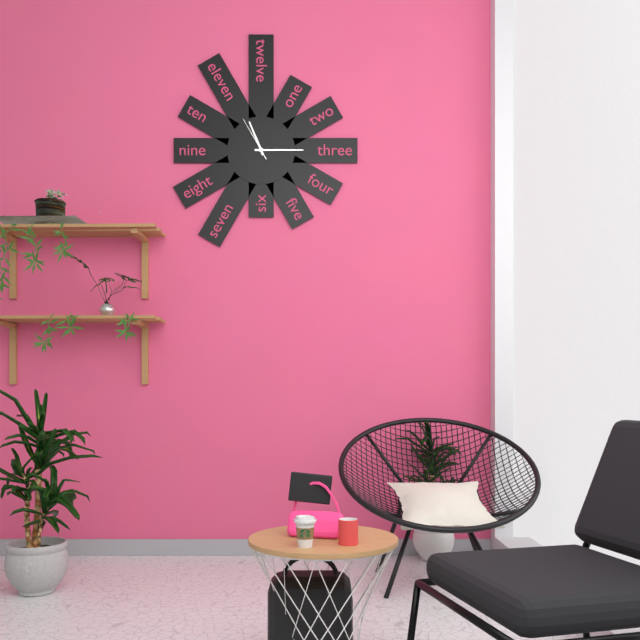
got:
11:15
